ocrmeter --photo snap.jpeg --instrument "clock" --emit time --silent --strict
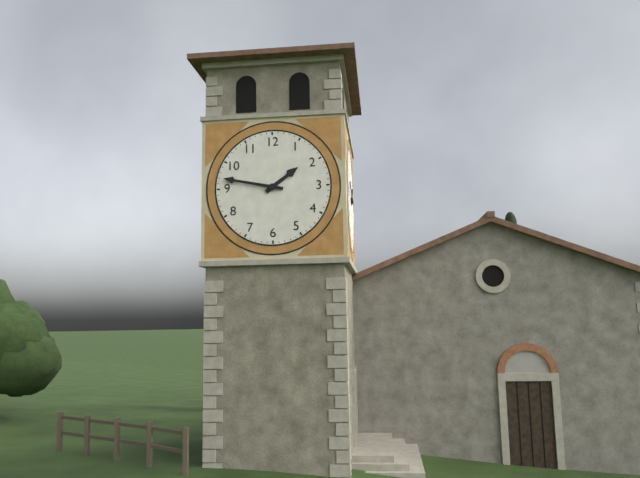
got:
1:47
